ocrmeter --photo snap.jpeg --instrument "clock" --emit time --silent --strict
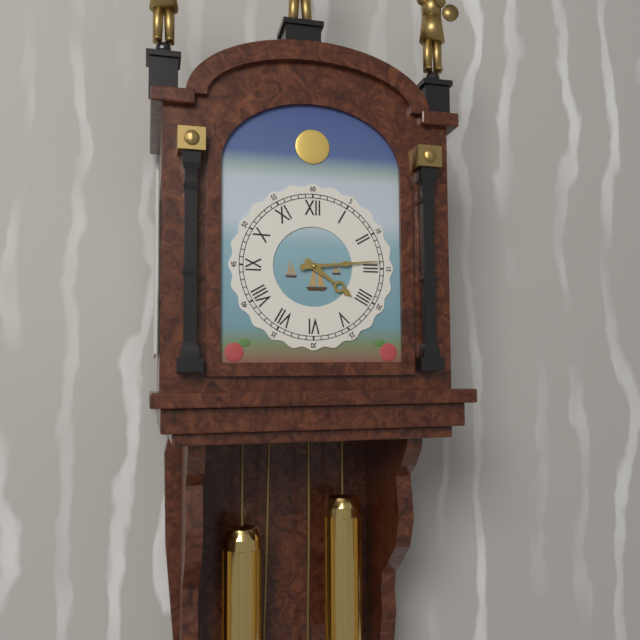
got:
4:14
